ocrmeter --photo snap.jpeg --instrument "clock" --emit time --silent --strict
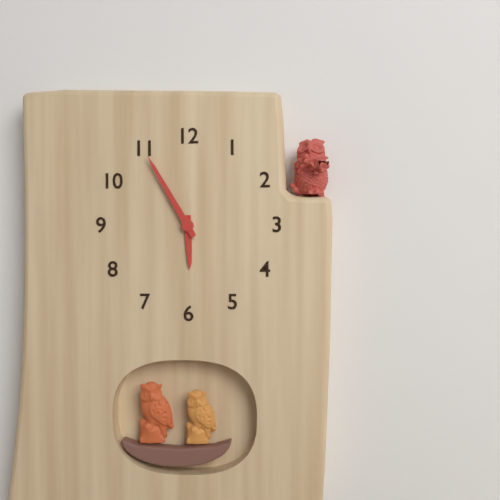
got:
5:55
